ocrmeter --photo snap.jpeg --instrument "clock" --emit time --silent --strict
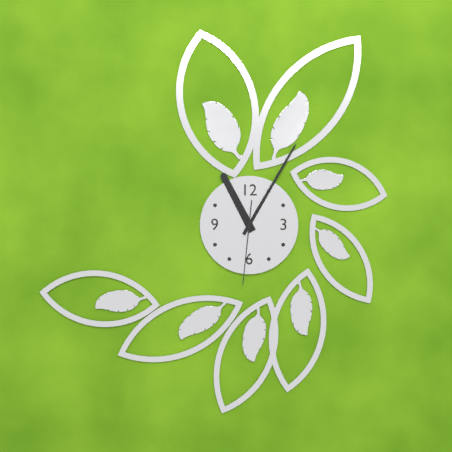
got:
11:05:31
